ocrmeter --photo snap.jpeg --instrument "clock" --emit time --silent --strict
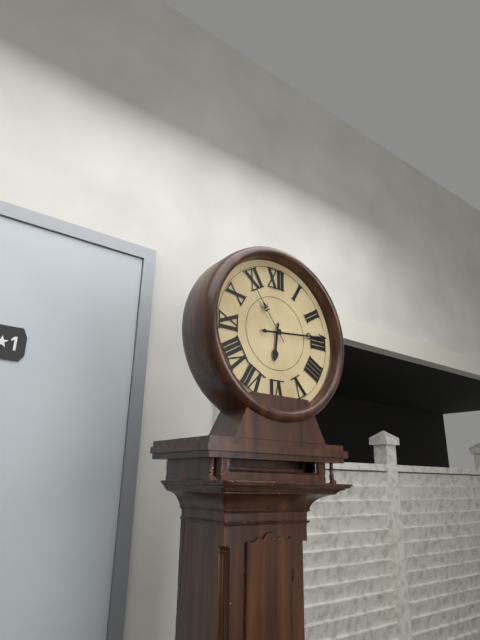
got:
6:14:54
